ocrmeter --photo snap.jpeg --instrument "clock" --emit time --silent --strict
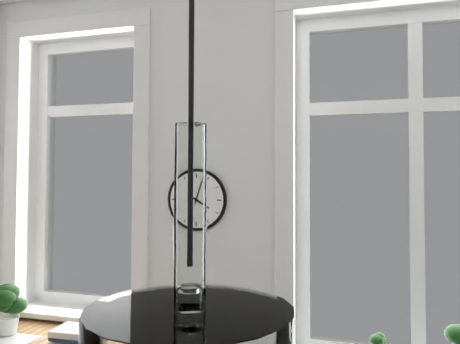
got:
4:03
